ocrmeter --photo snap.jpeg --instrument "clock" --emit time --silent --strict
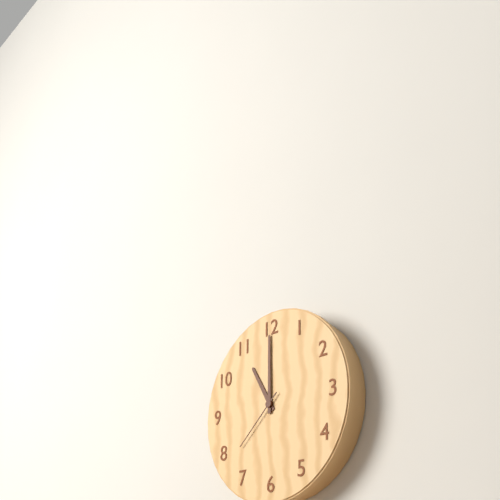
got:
11:00:38
